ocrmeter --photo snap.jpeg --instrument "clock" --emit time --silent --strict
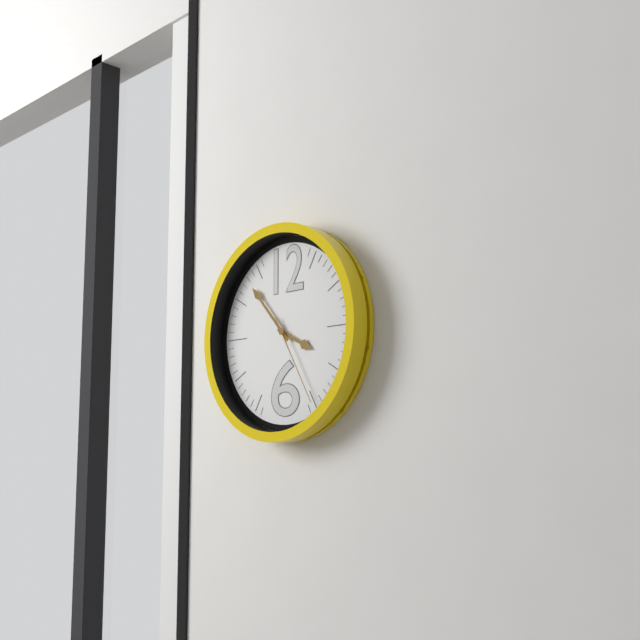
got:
3:53:25
